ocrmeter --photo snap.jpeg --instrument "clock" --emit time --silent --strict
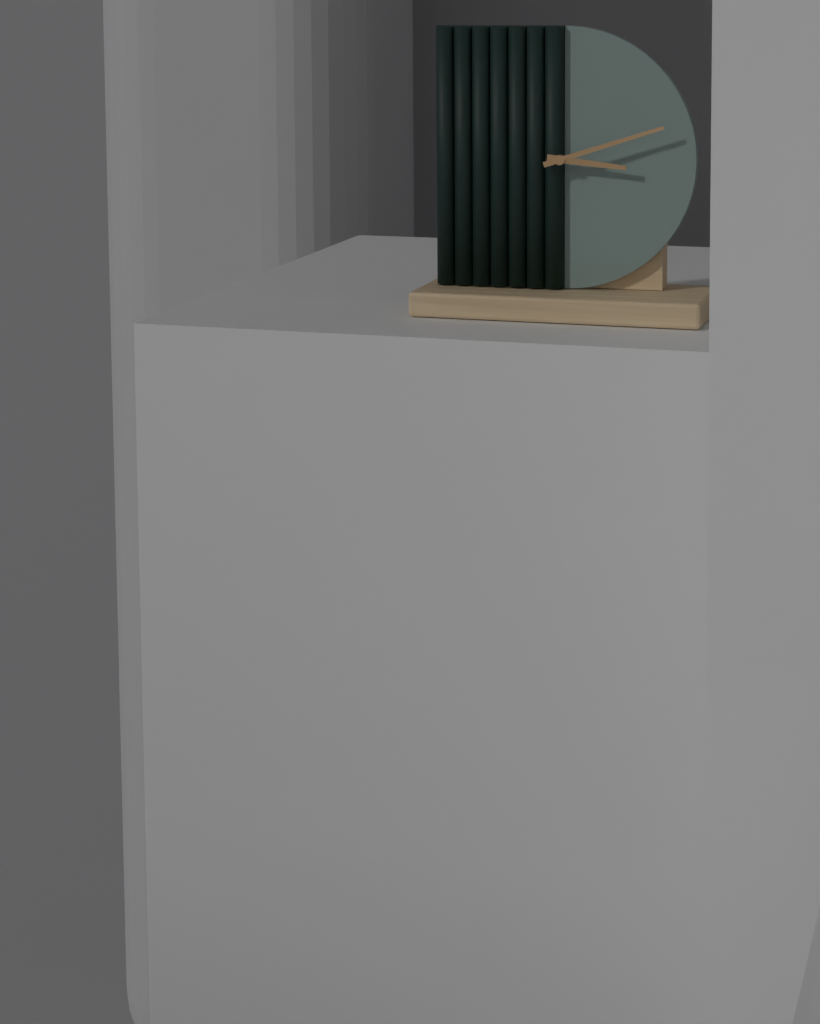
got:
3:12
